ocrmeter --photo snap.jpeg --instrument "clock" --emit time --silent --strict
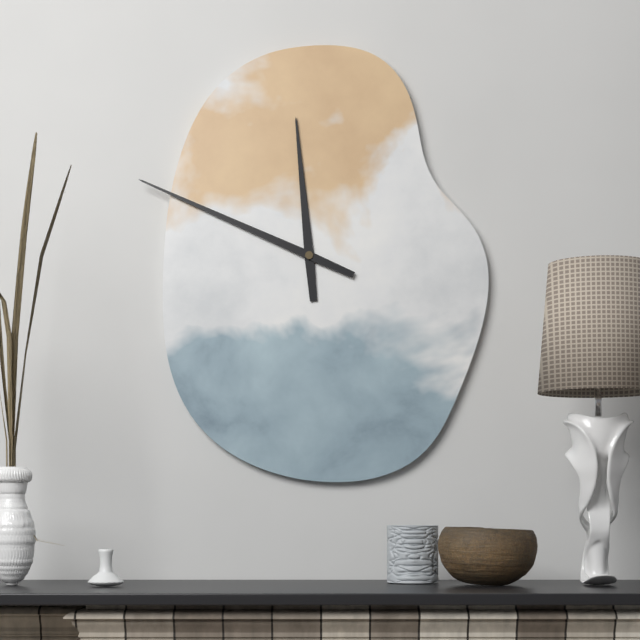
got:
11:49
